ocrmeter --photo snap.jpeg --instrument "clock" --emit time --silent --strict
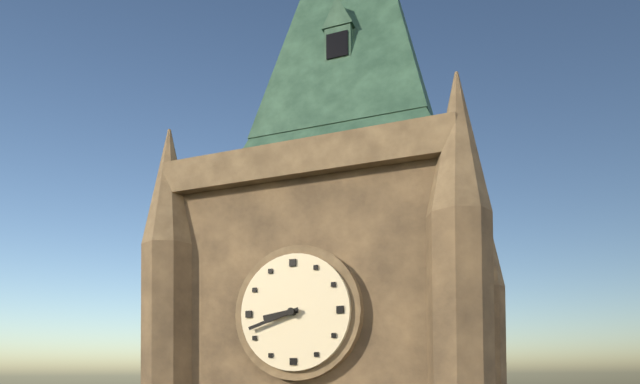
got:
8:42
